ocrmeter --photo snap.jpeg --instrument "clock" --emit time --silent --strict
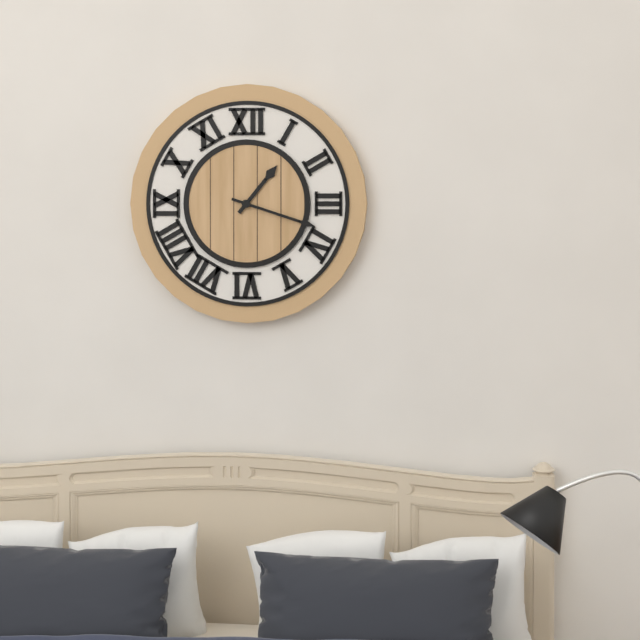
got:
1:18
